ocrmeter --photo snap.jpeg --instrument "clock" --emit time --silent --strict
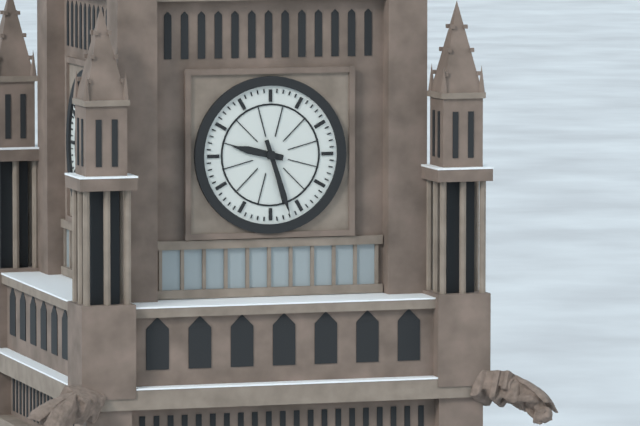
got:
9:27
